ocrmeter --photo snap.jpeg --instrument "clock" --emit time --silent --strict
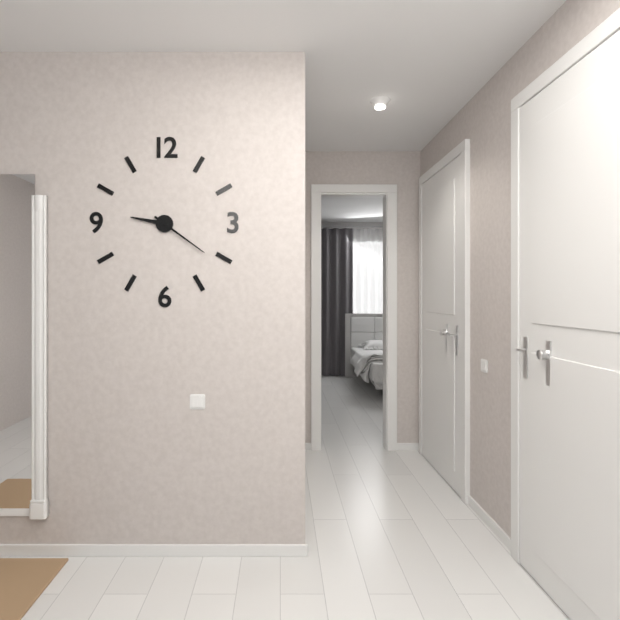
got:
9:21
